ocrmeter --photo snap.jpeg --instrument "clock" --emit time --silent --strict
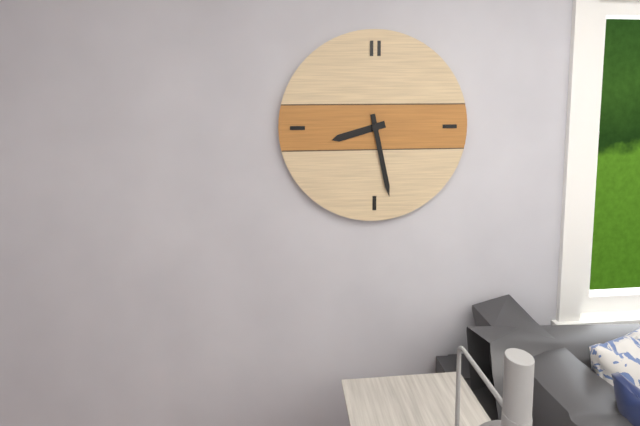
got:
8:28
